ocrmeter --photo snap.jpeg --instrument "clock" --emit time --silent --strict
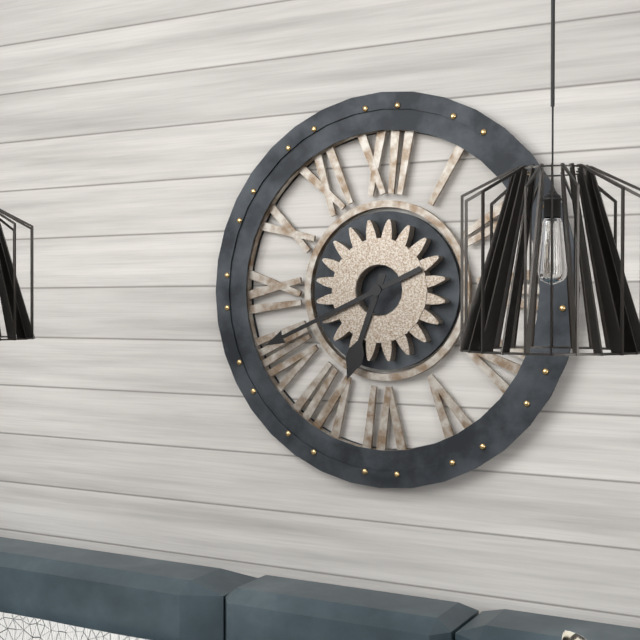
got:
6:41
